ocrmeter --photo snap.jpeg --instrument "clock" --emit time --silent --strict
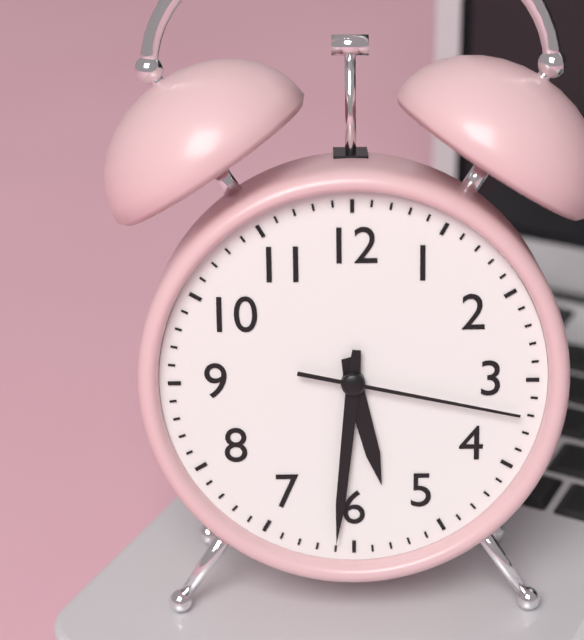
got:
5:31:17
